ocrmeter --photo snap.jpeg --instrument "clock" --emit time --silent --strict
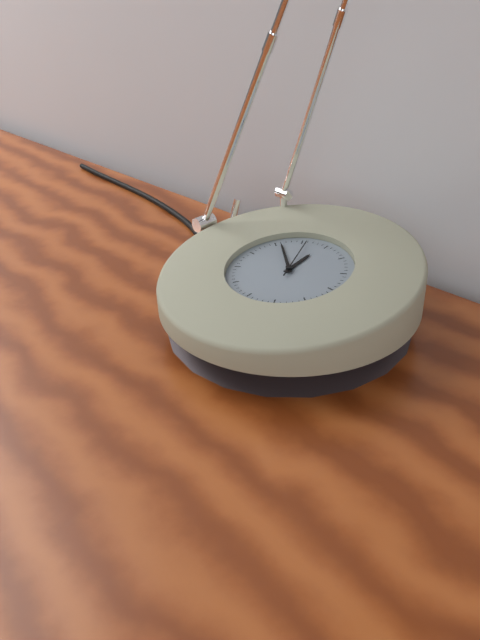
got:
11:51
